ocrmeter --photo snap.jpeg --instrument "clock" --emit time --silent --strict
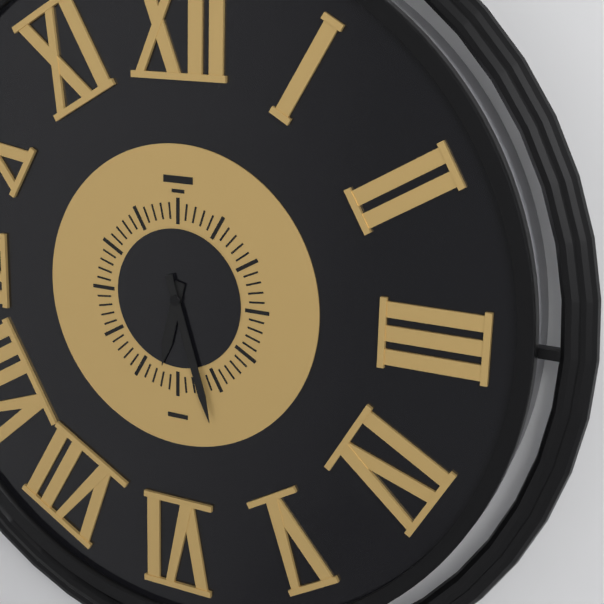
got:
6:27
